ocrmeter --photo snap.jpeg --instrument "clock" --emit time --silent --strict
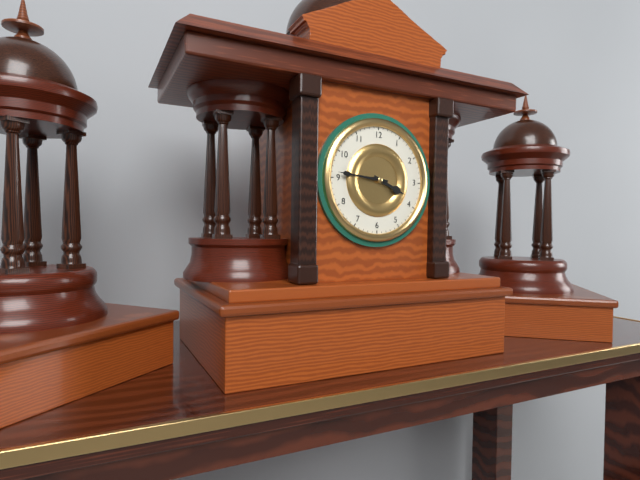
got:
3:46
